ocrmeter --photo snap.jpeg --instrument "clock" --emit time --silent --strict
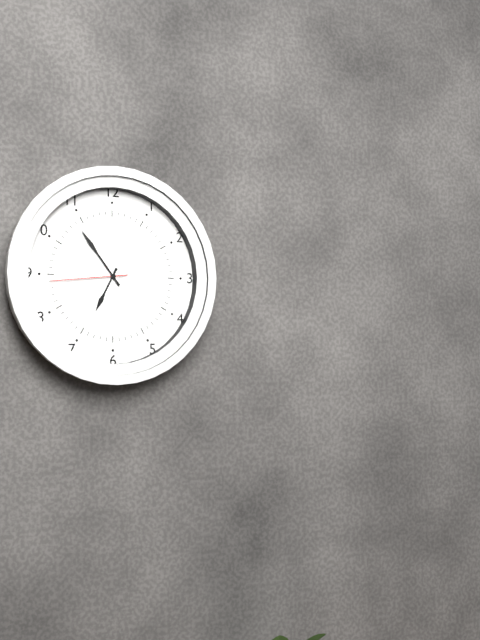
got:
6:54:44
